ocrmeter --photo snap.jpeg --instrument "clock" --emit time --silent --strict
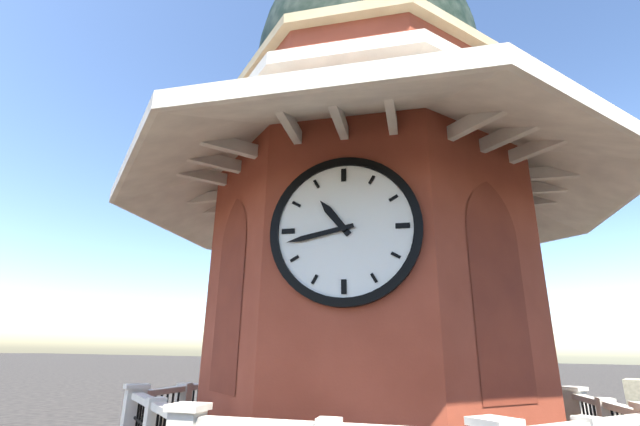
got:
10:43
